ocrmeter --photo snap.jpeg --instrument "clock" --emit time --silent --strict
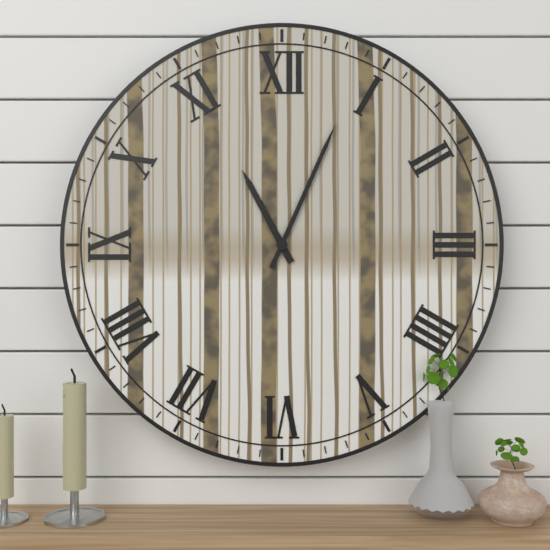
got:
11:04
